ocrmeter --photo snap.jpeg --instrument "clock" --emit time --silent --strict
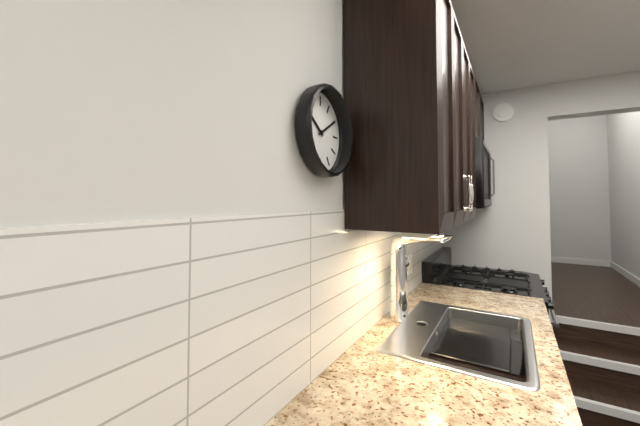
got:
10:10
